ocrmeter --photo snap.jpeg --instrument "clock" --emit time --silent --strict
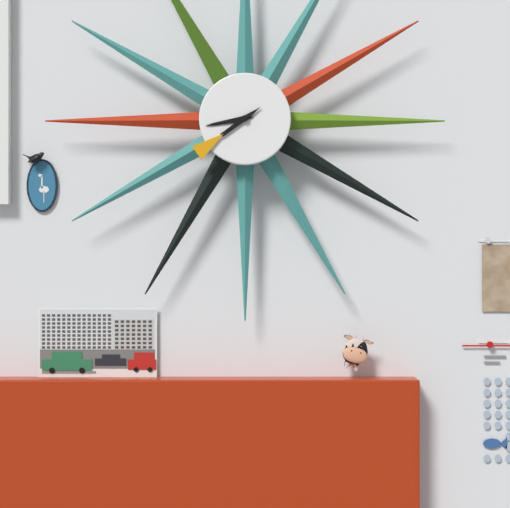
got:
8:39
